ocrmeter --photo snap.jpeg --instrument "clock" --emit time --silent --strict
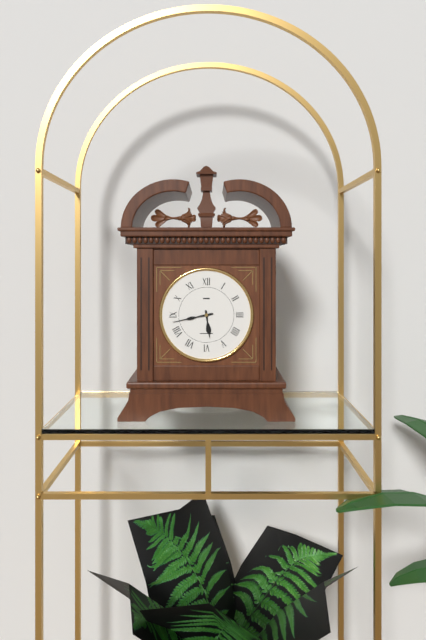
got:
5:43
